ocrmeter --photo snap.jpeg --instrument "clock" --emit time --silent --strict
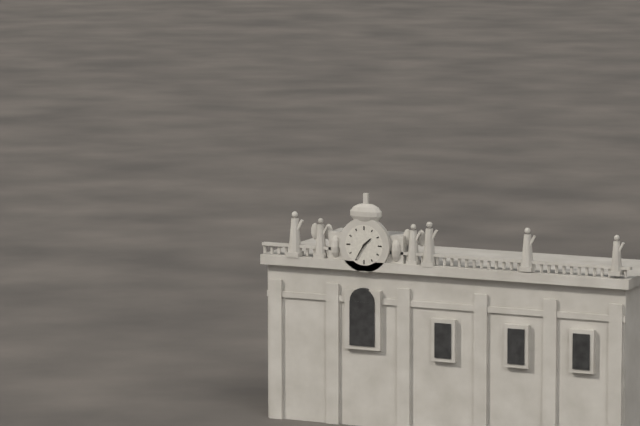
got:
1:35
